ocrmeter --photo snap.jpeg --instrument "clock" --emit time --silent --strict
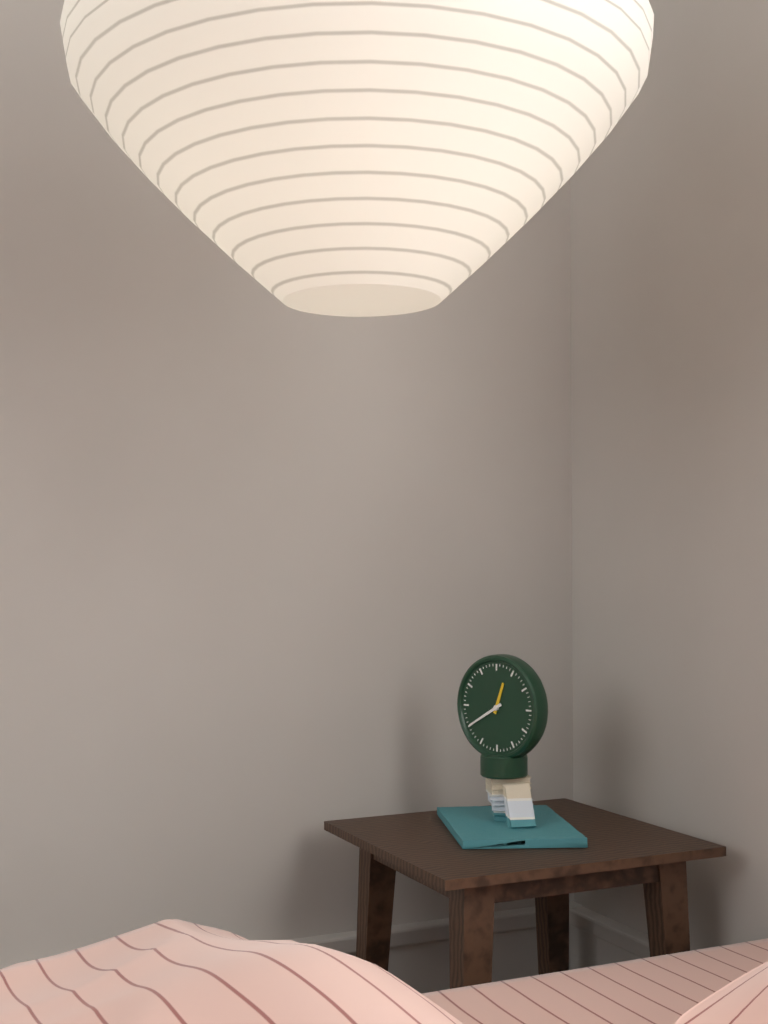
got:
12:40
